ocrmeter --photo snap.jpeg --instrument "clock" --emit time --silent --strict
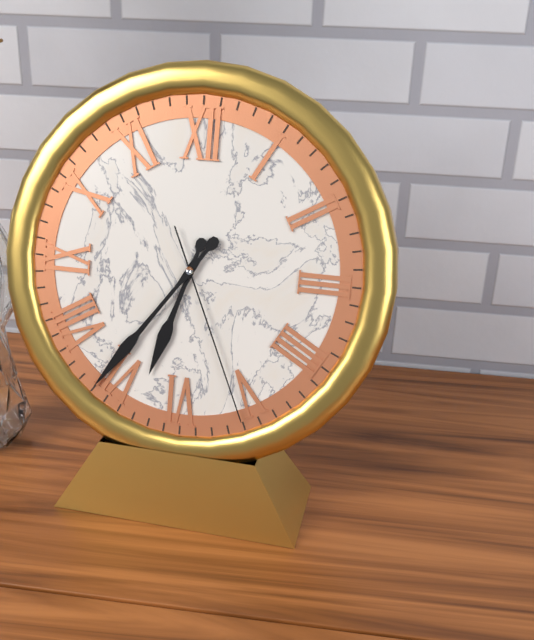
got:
6:36:26
